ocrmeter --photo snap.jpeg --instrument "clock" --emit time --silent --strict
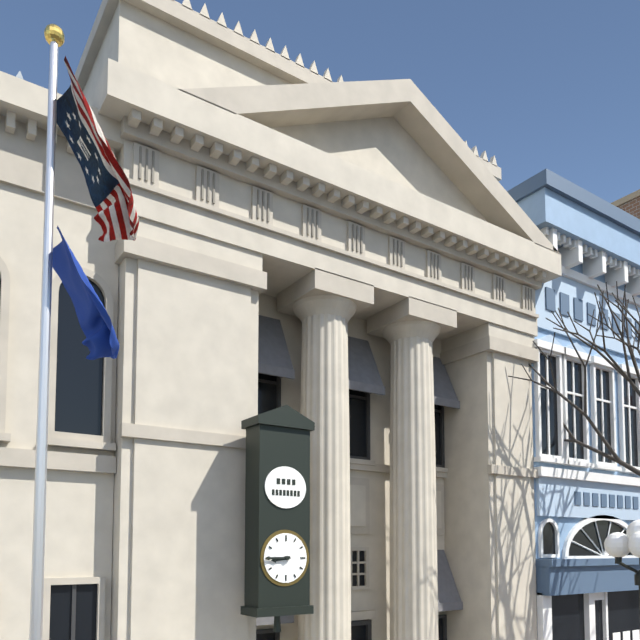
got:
8:45
